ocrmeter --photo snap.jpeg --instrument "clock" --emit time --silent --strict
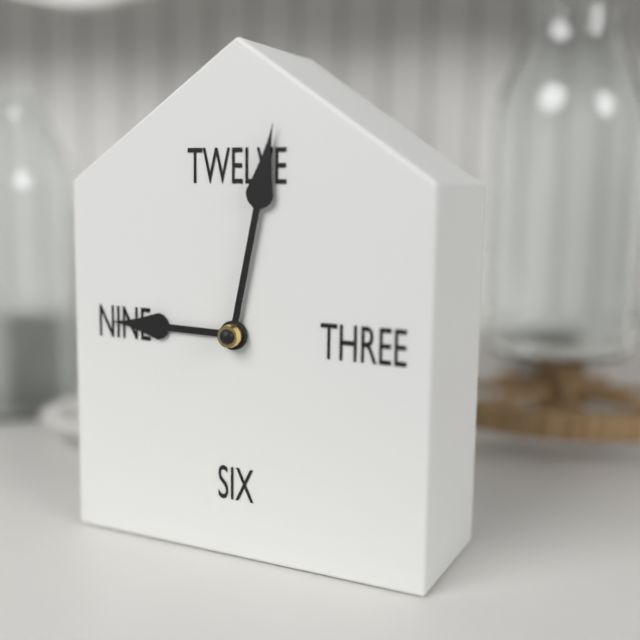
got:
9:02
